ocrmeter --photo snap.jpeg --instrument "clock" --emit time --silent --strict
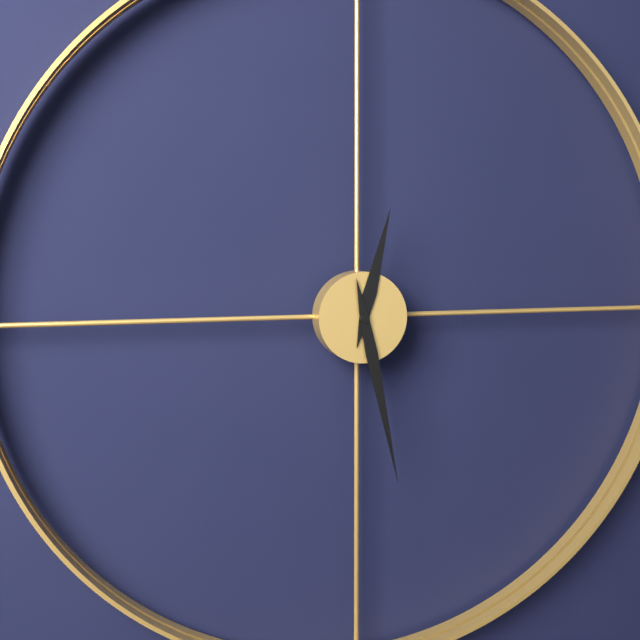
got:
12:28
